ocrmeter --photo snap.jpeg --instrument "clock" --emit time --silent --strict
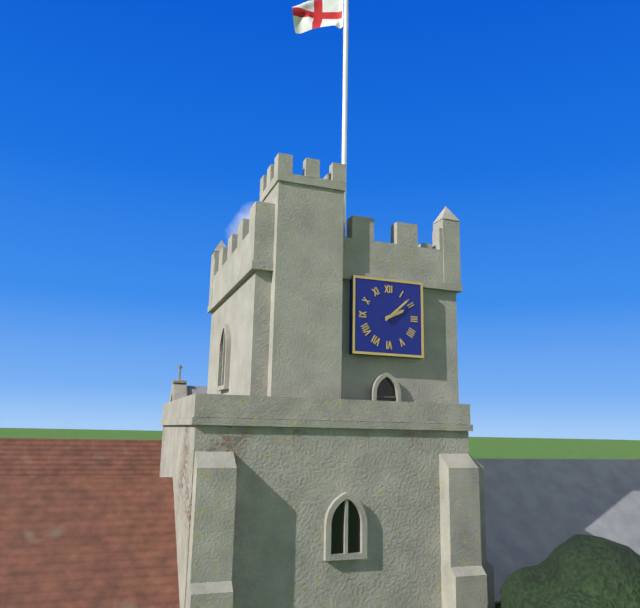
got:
2:08
